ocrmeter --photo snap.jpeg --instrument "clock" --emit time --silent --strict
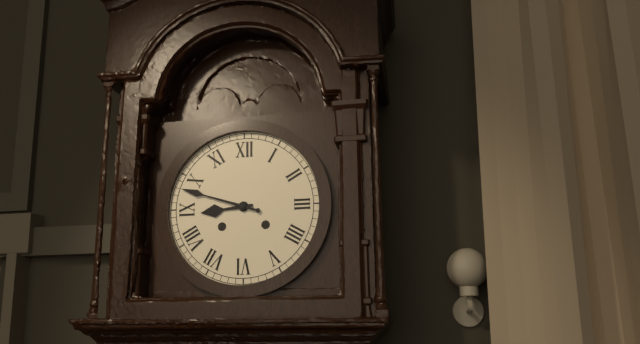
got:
8:48
